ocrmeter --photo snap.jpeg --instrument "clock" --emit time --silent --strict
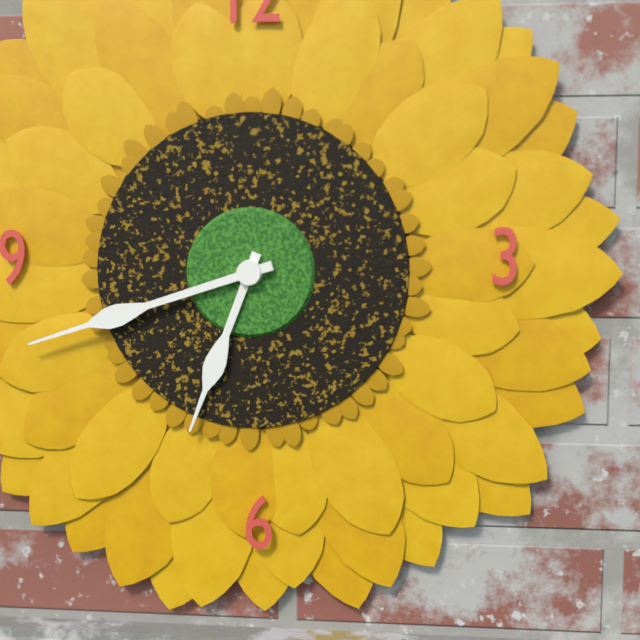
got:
6:42
